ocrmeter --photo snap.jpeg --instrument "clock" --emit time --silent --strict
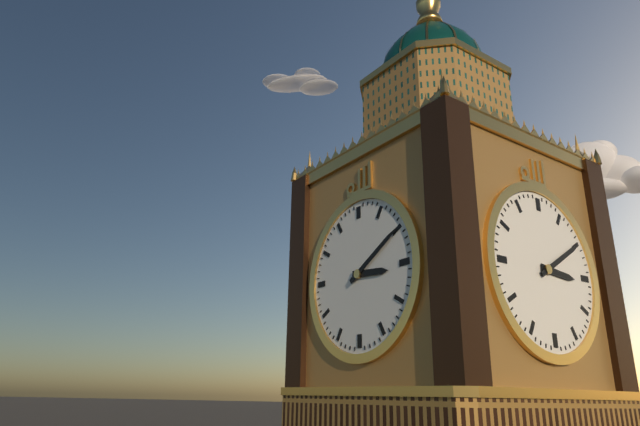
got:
3:10
